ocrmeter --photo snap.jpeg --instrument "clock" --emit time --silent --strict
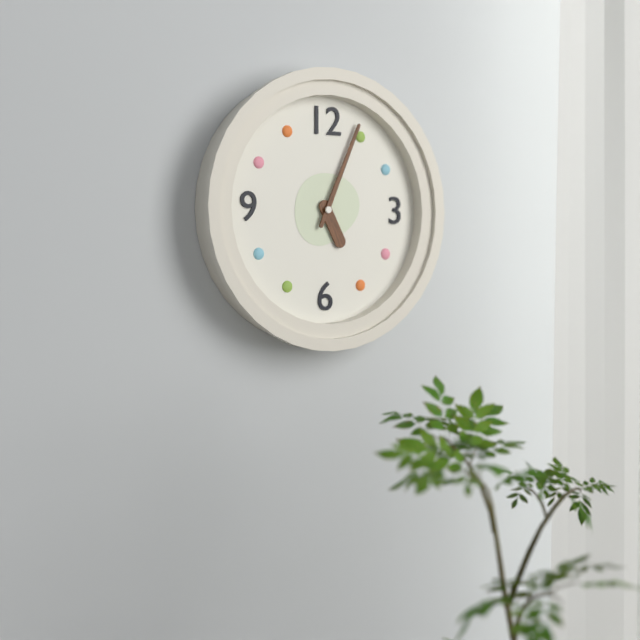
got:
5:04
